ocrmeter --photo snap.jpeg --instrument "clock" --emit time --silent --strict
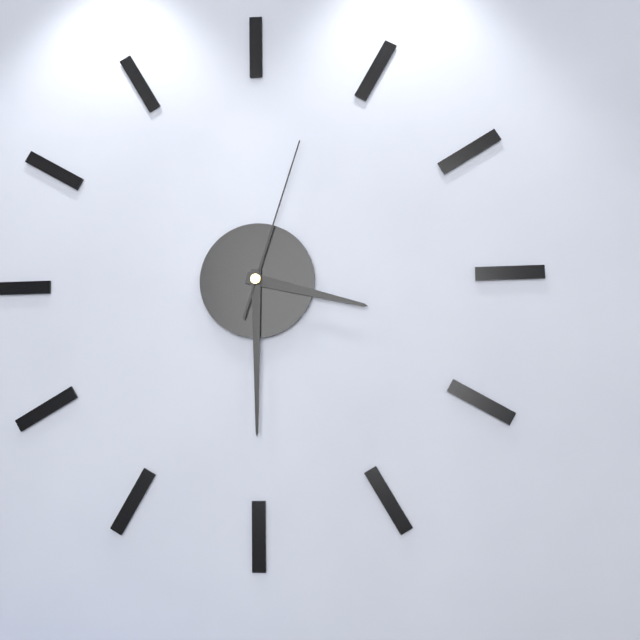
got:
3:30:03
